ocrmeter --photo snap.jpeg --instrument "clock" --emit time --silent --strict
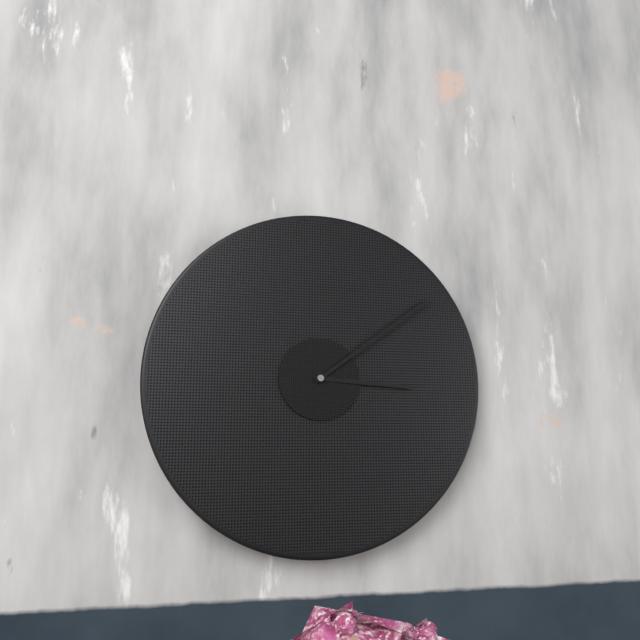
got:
3:09
